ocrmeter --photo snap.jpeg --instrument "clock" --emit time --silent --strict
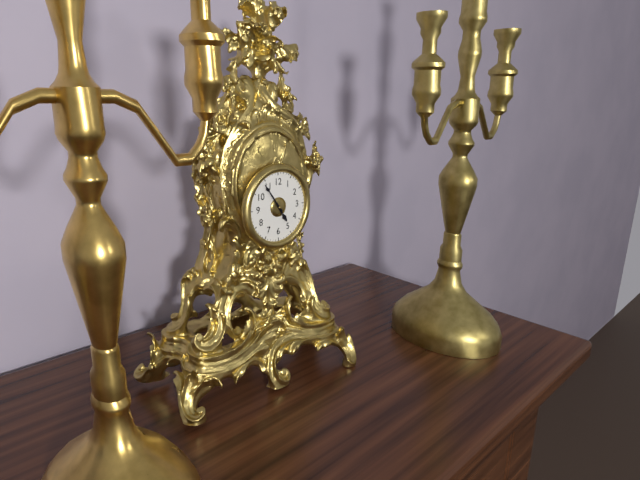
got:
4:54
